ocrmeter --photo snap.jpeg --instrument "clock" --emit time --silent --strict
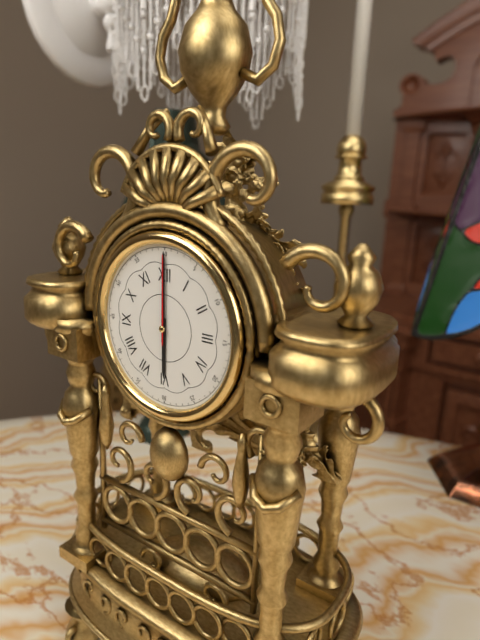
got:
6:00:00
